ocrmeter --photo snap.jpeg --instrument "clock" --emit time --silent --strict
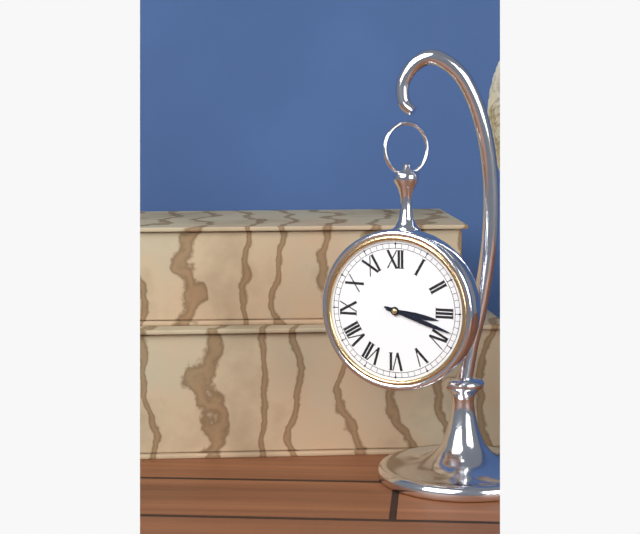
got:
3:18
